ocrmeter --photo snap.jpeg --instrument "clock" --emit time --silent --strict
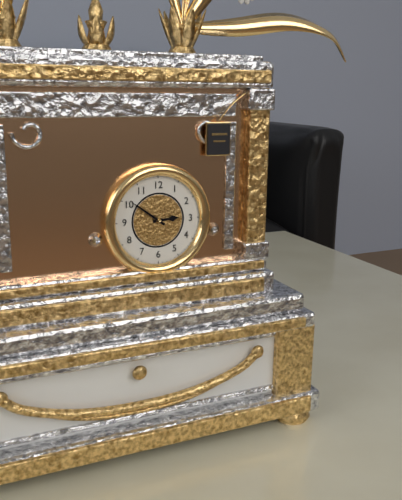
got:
2:51
